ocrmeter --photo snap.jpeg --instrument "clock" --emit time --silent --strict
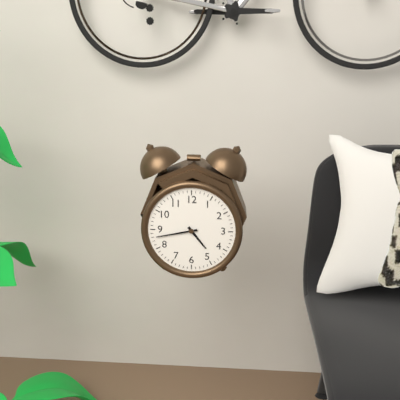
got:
4:43
